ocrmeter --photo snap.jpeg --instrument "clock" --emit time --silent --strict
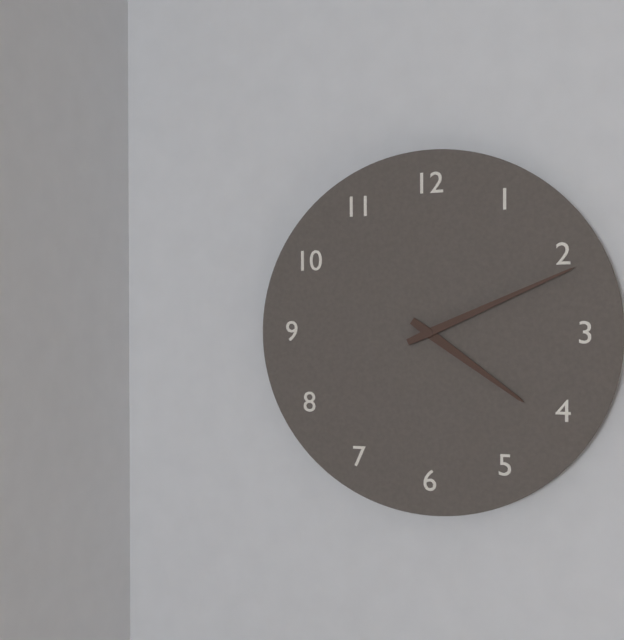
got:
4:11
